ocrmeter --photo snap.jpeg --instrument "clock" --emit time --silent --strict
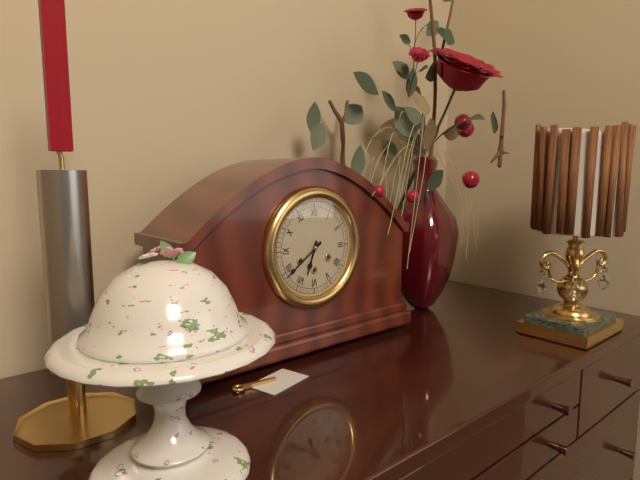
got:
6:39
